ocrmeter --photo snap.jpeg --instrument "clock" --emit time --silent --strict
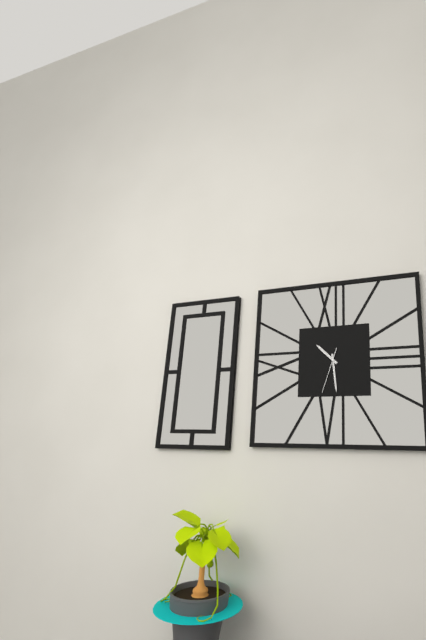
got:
10:29
